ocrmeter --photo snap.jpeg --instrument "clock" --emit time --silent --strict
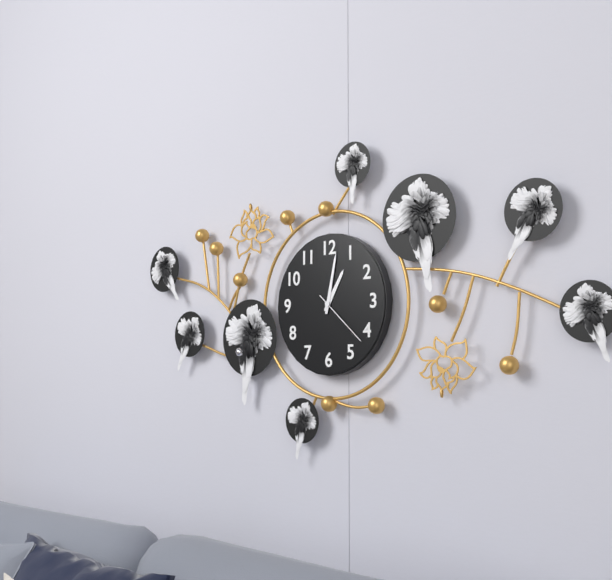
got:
1:02:22
